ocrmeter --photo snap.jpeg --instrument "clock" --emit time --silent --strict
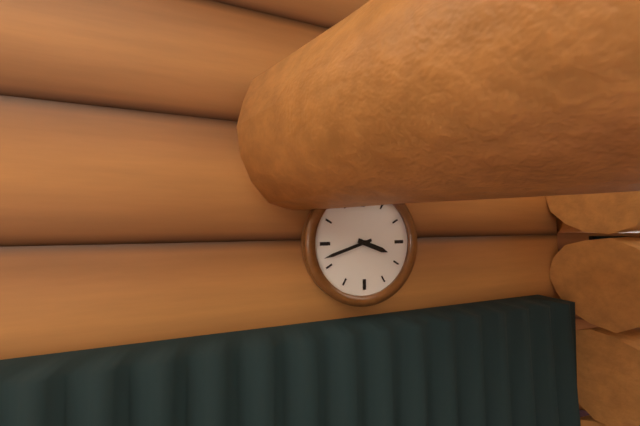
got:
3:42
